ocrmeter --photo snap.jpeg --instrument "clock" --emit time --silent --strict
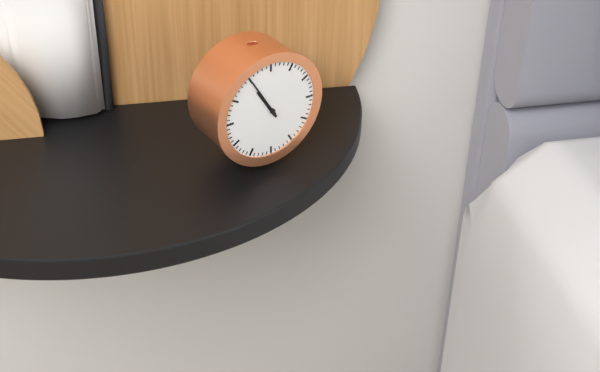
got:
10:55
